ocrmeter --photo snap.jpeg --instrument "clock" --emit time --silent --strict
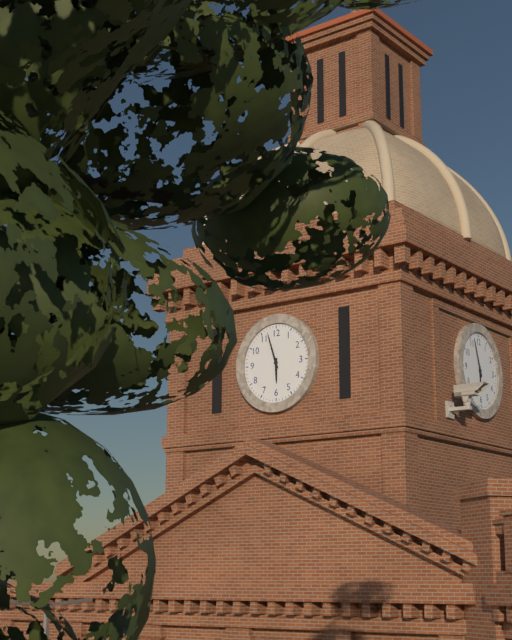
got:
5:57
